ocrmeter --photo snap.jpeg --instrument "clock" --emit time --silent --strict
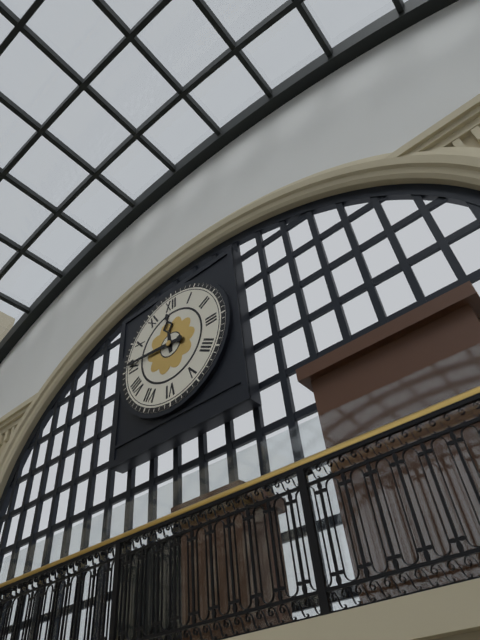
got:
11:46
